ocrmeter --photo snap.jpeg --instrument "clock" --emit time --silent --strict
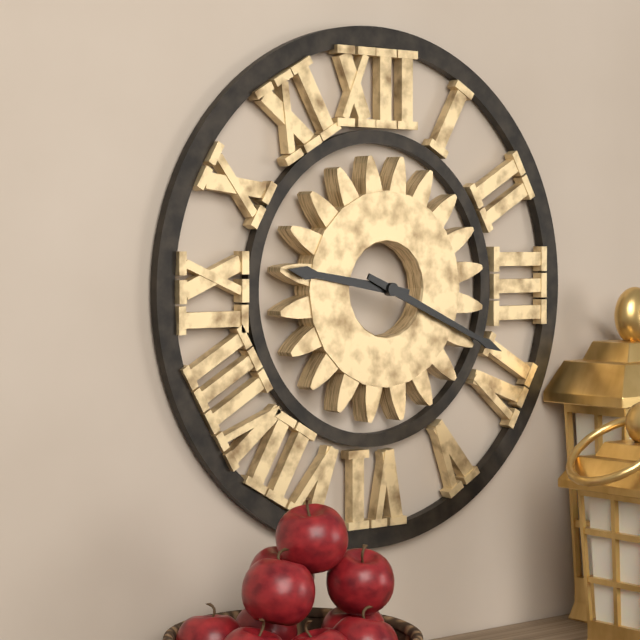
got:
9:19
